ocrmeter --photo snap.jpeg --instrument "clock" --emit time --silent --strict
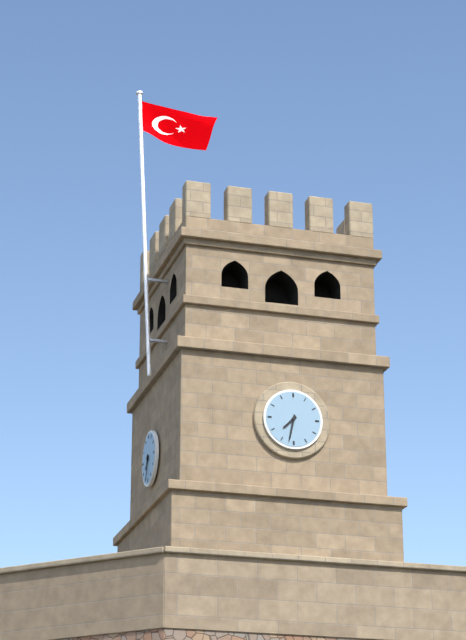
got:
7:32
